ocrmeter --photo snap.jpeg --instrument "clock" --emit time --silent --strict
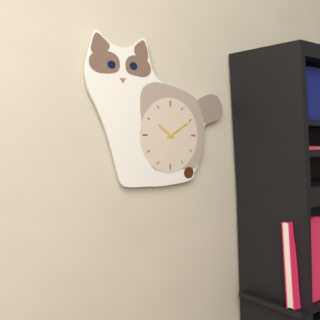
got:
10:10
